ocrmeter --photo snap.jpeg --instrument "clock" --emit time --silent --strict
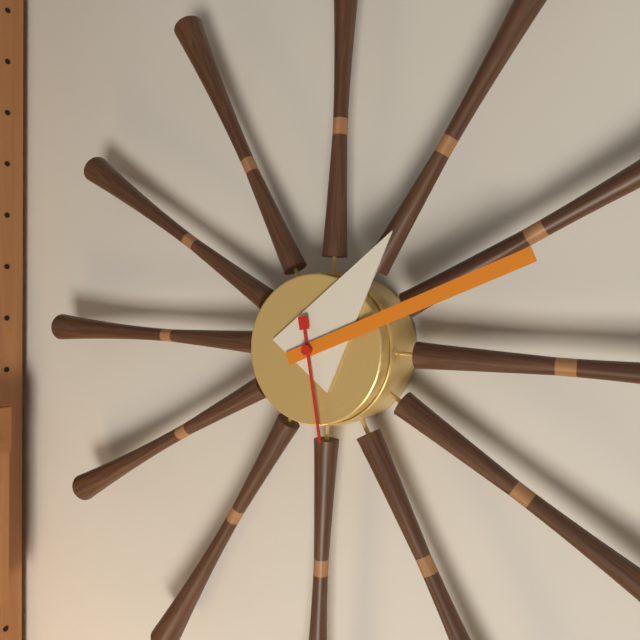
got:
1:11:28
